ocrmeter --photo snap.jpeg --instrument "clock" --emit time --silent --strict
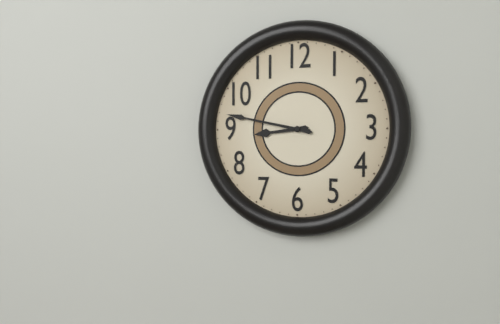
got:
8:47
